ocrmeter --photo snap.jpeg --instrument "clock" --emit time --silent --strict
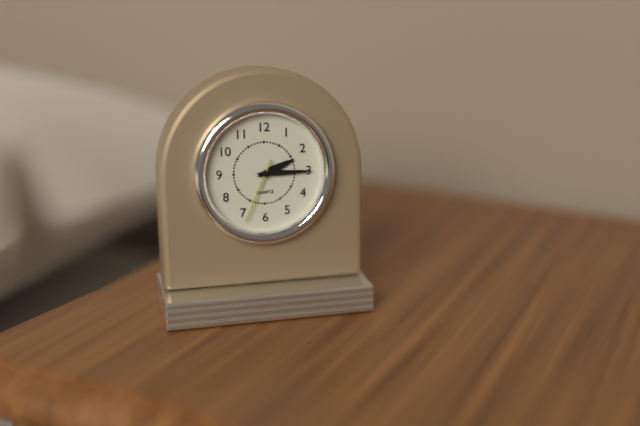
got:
2:15:34
